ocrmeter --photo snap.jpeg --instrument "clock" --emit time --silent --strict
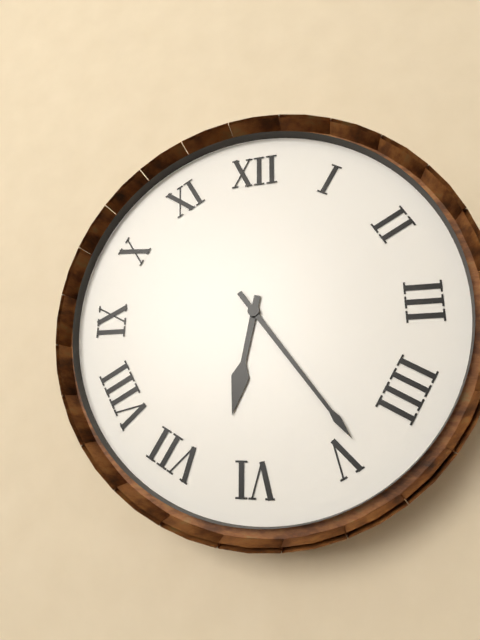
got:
6:24
